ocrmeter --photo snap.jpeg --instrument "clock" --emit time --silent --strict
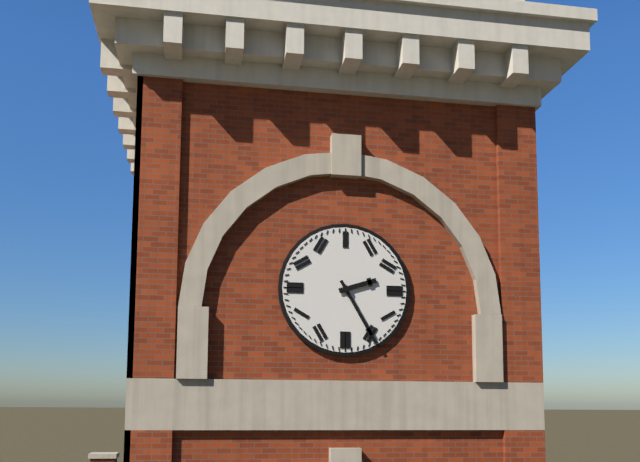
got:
2:25
